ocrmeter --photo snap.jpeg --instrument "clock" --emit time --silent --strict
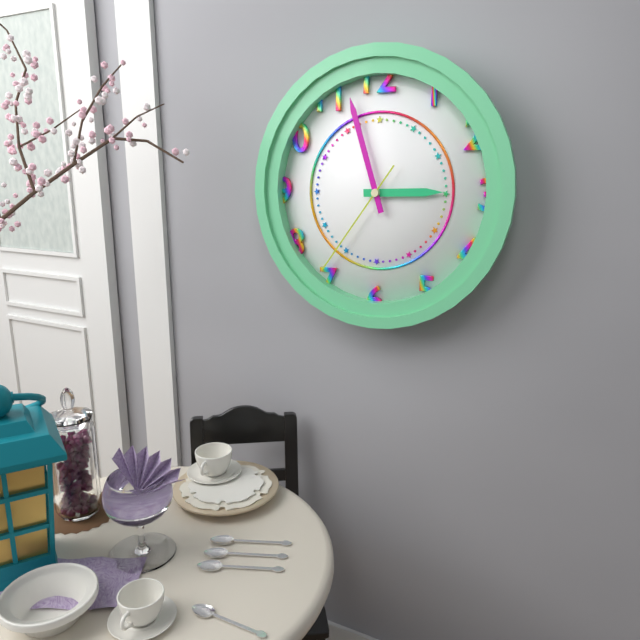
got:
2:57:36
